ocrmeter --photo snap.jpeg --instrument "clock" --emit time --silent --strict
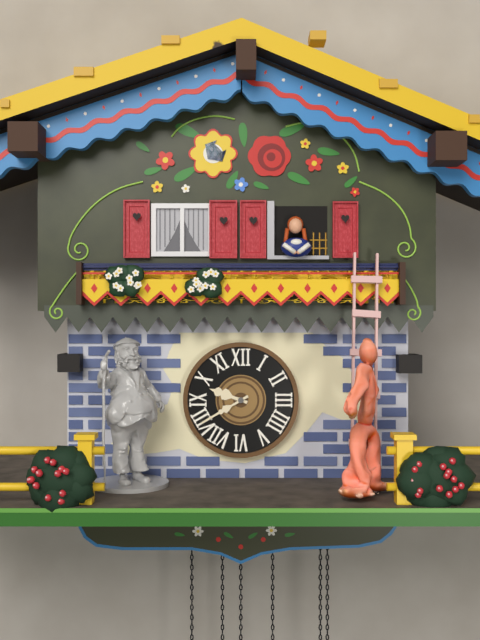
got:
9:40
